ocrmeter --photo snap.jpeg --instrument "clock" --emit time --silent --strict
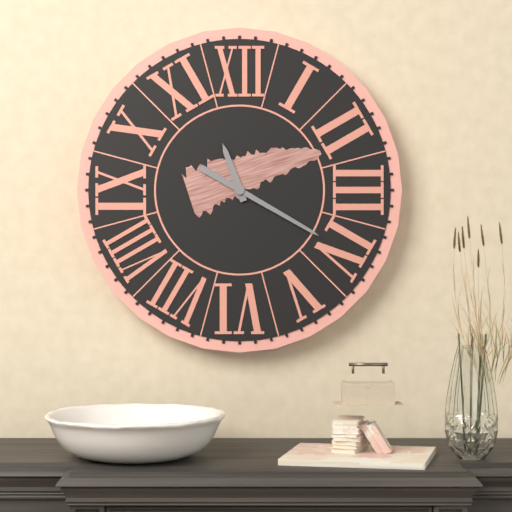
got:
11:20
